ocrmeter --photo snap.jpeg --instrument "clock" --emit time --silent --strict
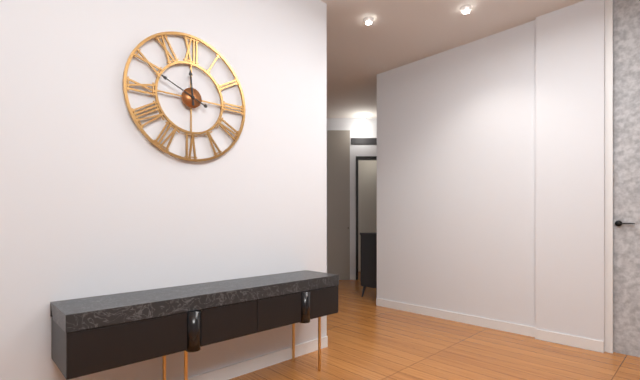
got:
11:49
